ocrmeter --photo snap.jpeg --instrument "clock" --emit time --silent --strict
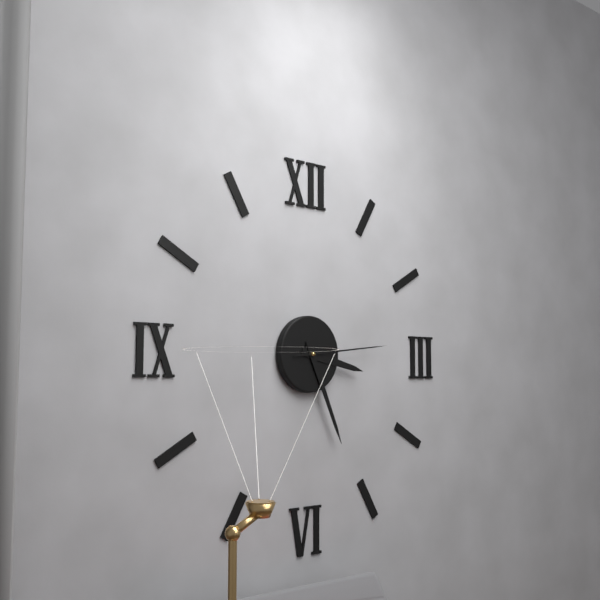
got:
3:26:14
